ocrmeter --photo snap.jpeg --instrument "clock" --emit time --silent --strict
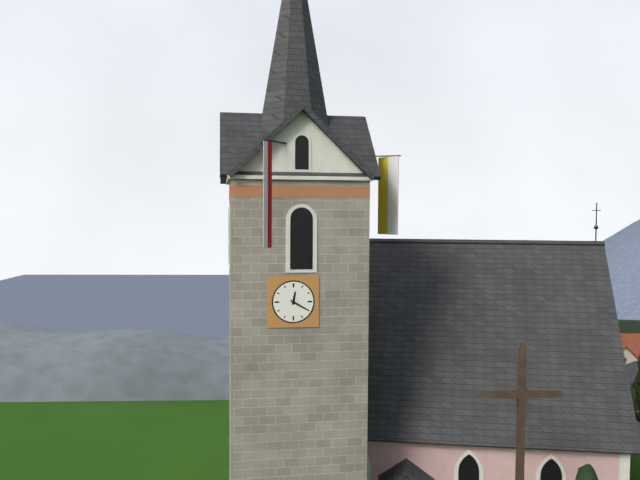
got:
12:20
